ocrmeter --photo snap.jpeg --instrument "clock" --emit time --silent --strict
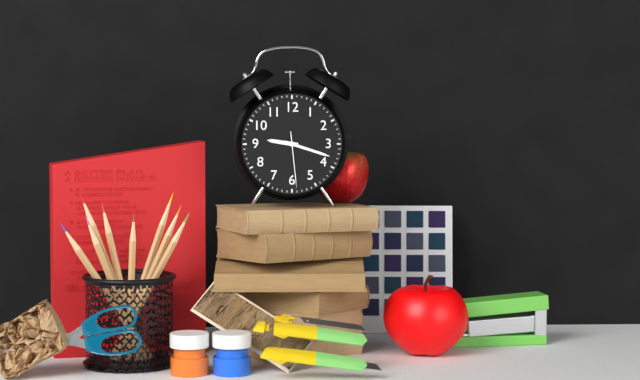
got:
9:18:29
